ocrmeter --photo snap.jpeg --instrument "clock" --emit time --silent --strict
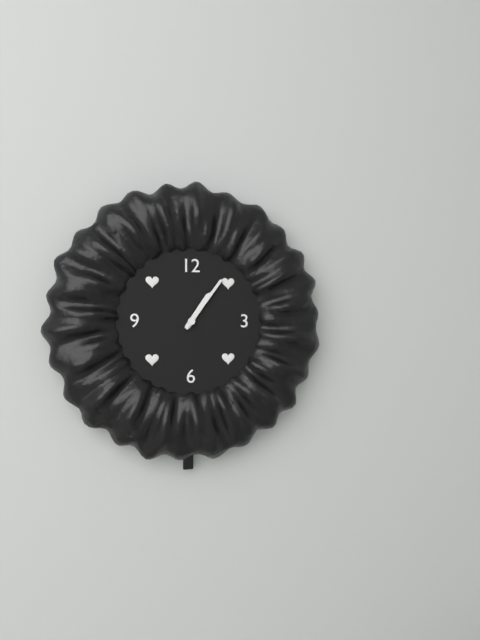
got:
1:06
